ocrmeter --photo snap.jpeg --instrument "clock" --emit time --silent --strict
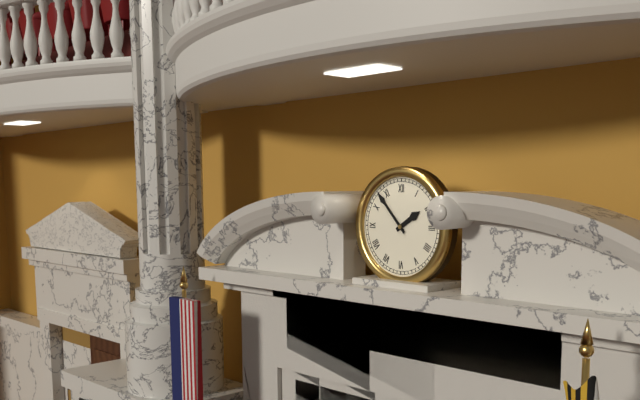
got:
1:53
